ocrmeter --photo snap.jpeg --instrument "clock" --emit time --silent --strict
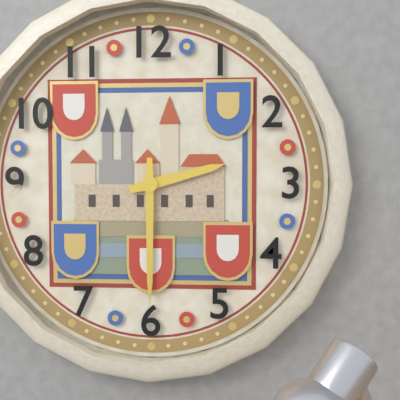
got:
2:30
